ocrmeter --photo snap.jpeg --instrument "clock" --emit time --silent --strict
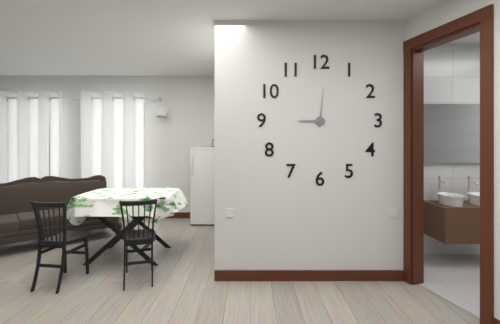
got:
9:01
